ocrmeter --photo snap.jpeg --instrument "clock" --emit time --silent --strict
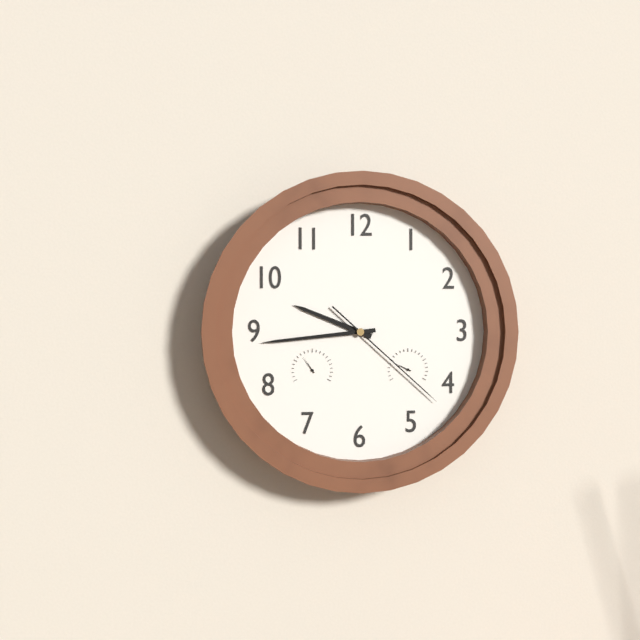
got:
9:44:22
